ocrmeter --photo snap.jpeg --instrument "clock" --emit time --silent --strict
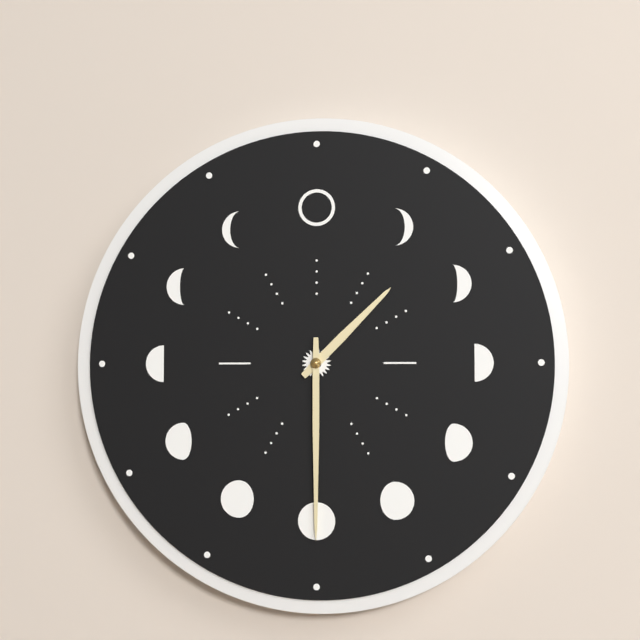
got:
1:30
